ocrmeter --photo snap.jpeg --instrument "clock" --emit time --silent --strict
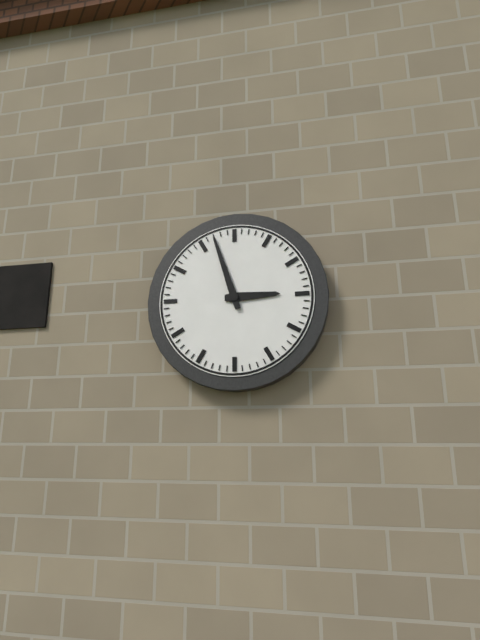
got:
2:57
